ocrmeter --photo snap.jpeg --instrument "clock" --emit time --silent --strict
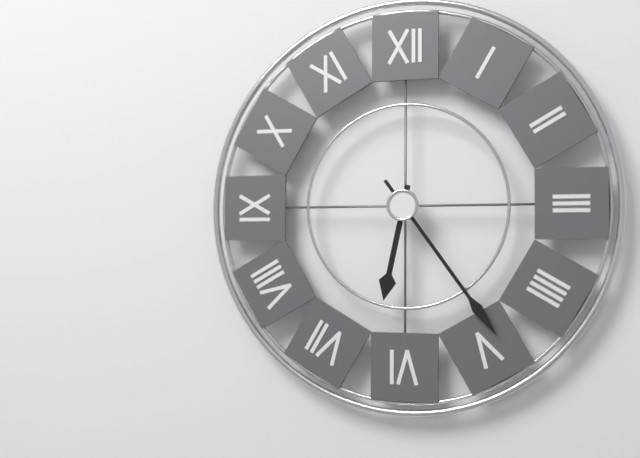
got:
6:24
